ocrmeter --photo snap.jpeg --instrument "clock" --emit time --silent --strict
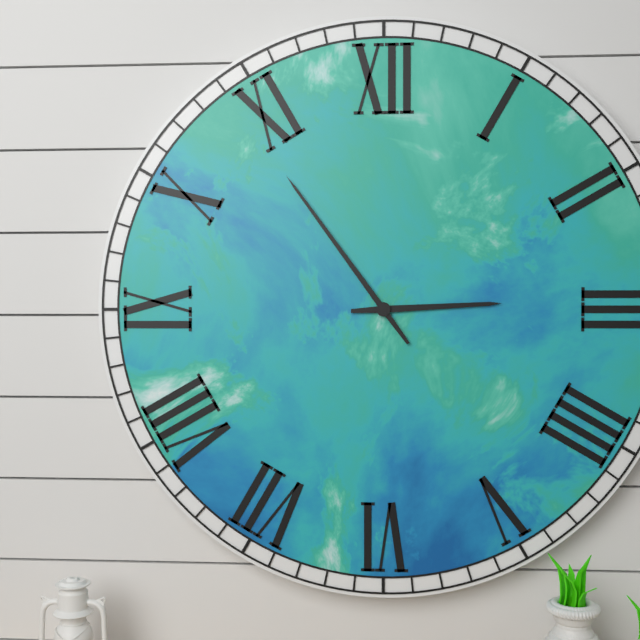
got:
2:54
